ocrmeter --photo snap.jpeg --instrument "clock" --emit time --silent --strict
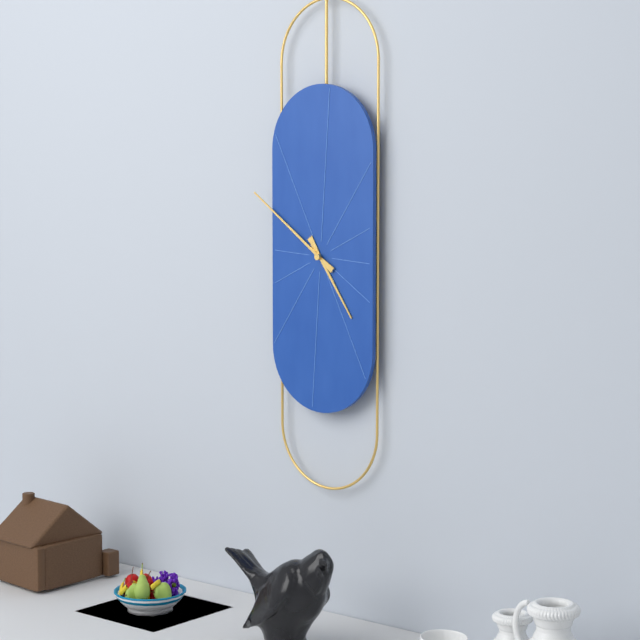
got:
4:51
